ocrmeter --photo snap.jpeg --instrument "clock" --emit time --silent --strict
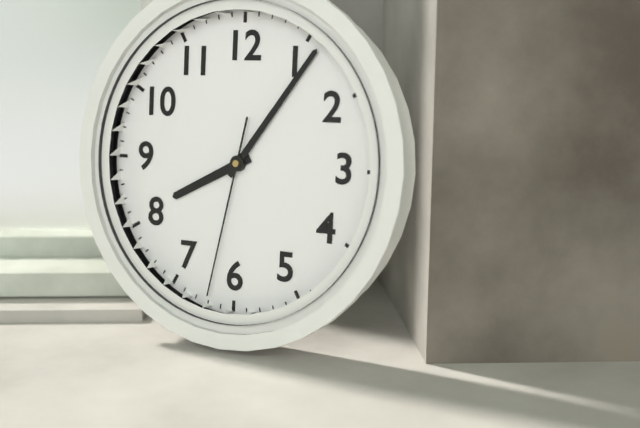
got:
8:06:32
